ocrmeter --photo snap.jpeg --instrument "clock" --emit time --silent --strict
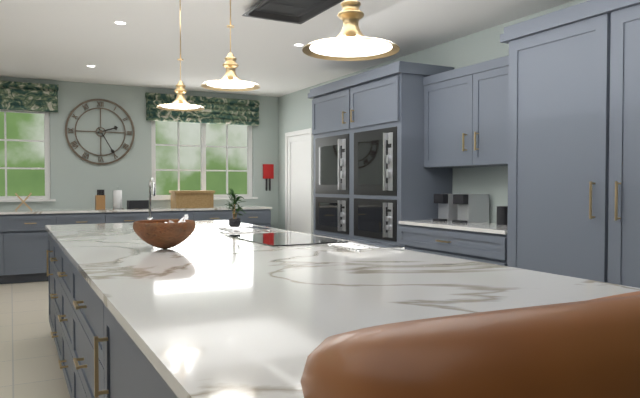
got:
2:25
